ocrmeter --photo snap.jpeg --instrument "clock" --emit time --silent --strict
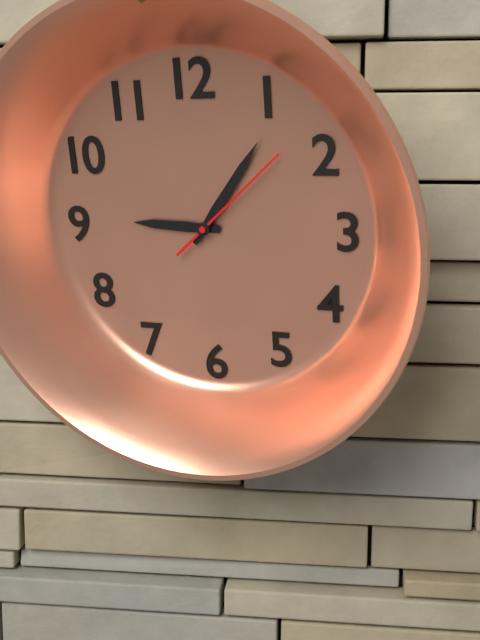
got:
9:06:08
